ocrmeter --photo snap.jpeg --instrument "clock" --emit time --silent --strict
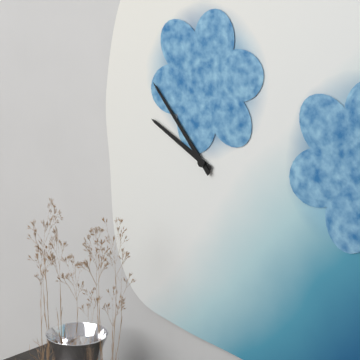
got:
9:53
